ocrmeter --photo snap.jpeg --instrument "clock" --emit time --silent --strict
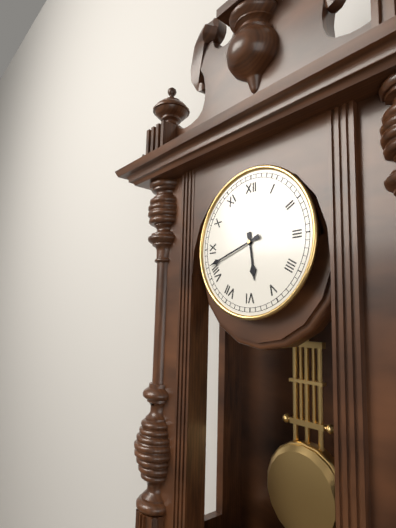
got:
5:42
